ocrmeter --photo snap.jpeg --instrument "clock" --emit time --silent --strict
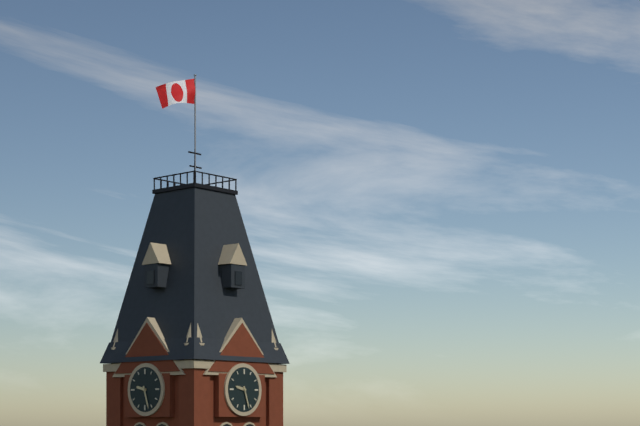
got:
9:27
